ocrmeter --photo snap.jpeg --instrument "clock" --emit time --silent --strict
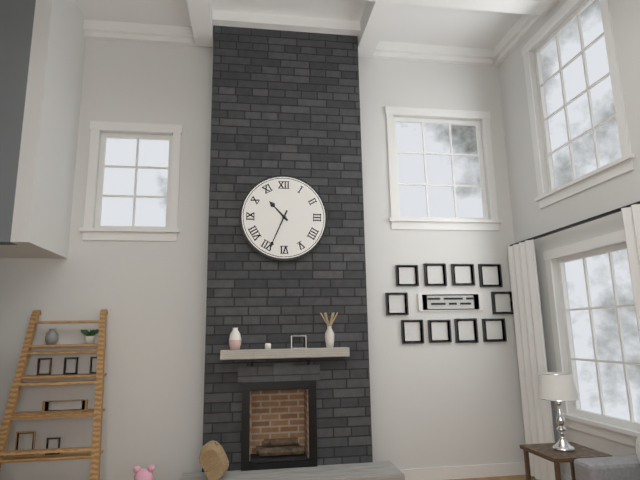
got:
10:34
